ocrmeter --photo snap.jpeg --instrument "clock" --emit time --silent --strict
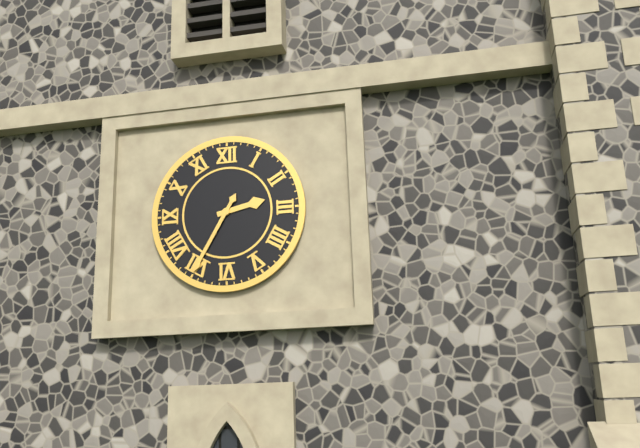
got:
2:35
